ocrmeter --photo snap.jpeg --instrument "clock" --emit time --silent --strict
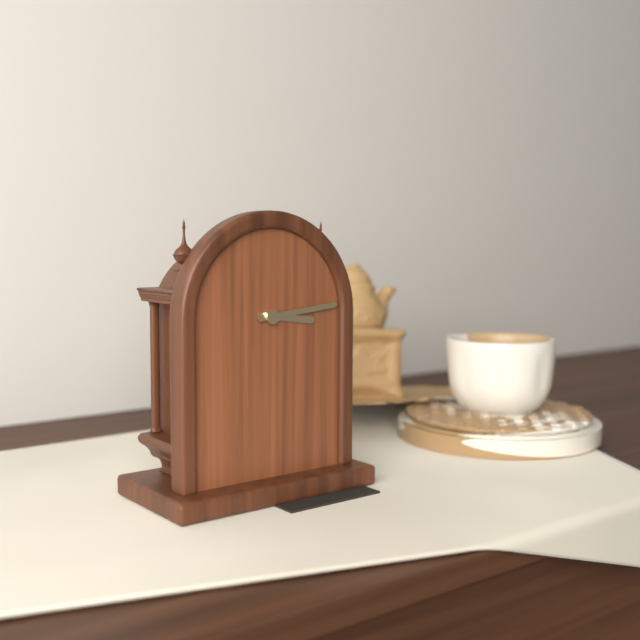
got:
3:14
